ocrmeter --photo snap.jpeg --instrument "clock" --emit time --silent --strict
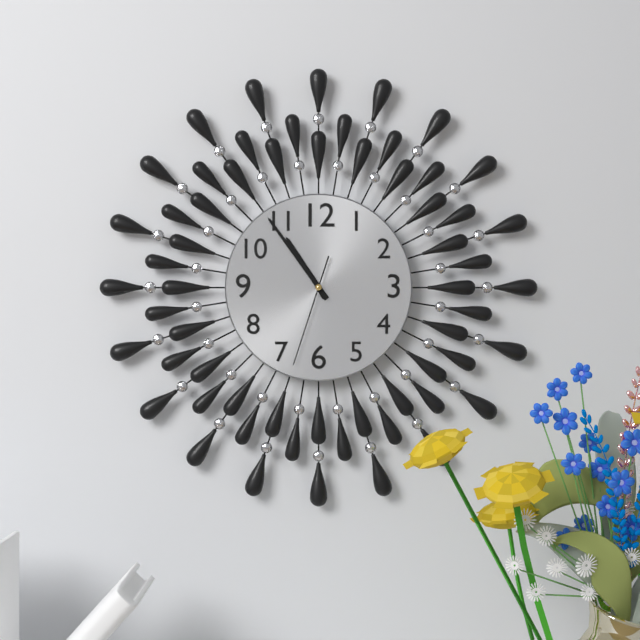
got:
10:54:33
